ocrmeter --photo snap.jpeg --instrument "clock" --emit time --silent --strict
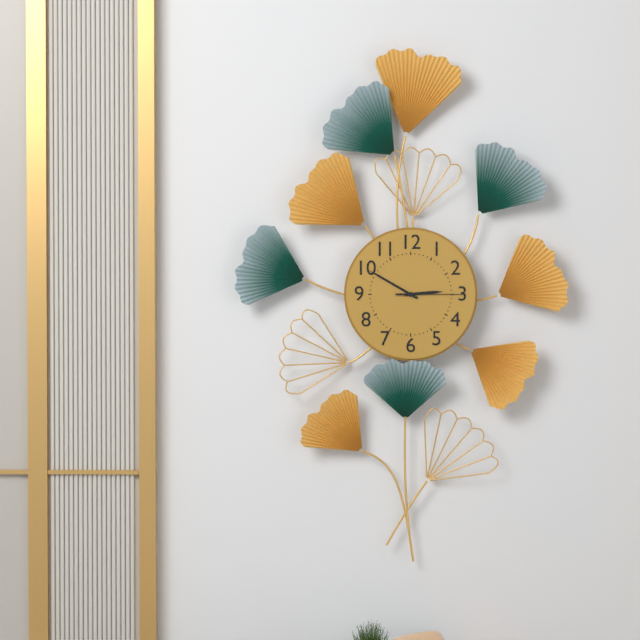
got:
2:50:15
